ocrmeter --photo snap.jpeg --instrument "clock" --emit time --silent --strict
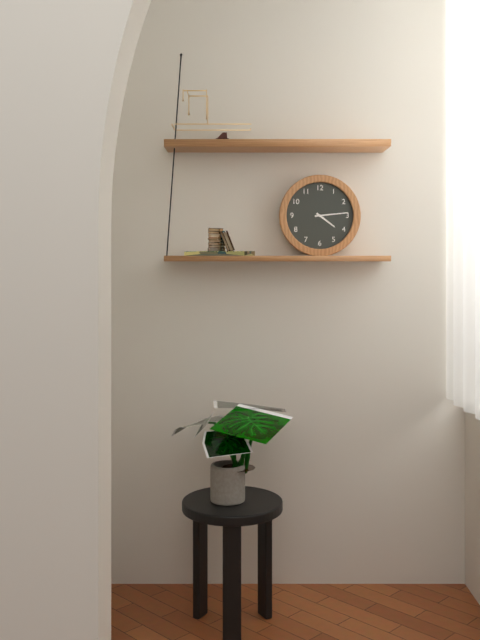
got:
4:14
